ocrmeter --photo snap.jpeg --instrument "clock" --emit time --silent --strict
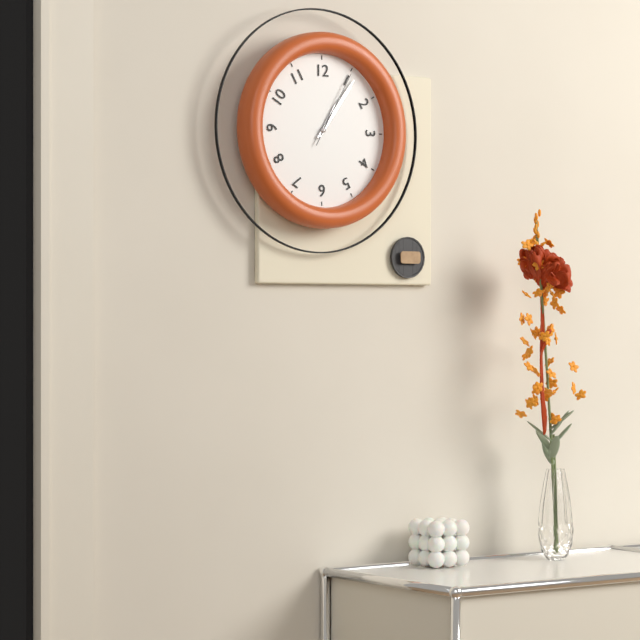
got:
1:06:05
